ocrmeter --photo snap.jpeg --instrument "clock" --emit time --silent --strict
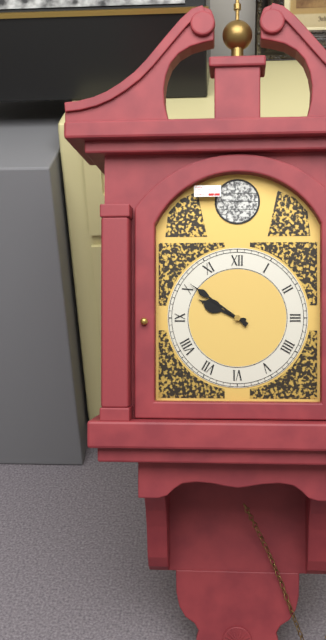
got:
9:51
